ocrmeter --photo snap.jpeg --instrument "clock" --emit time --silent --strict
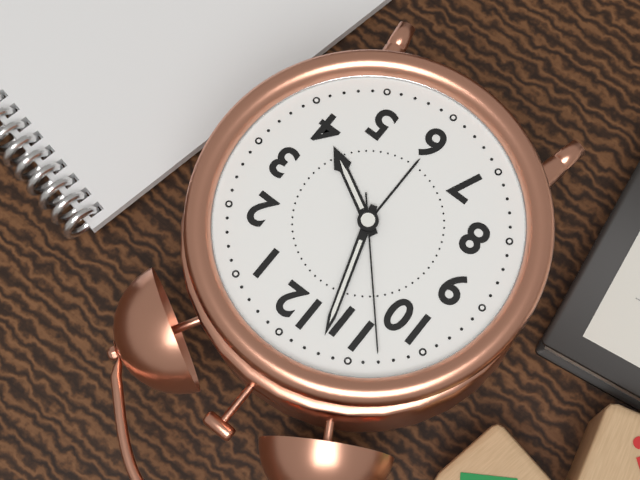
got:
3:57:53
